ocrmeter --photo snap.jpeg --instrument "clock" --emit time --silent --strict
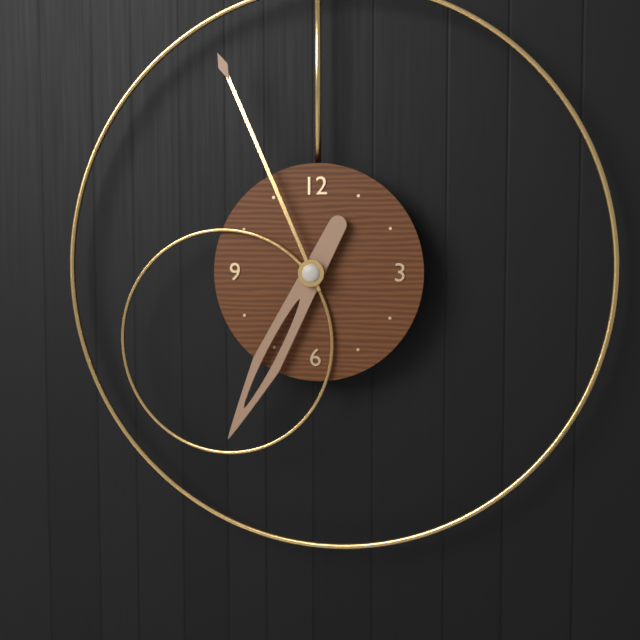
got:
6:56
